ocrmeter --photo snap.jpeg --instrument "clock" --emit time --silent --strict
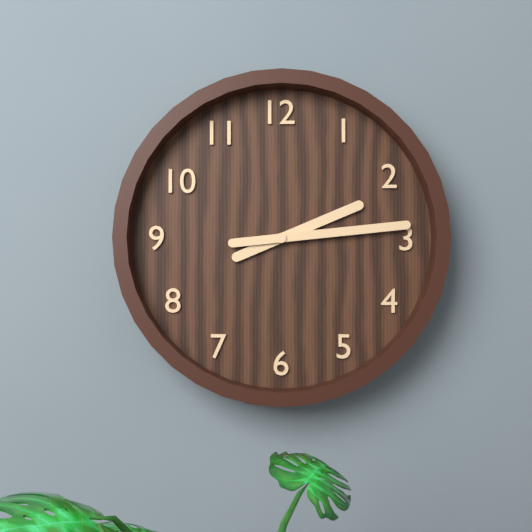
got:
2:14
